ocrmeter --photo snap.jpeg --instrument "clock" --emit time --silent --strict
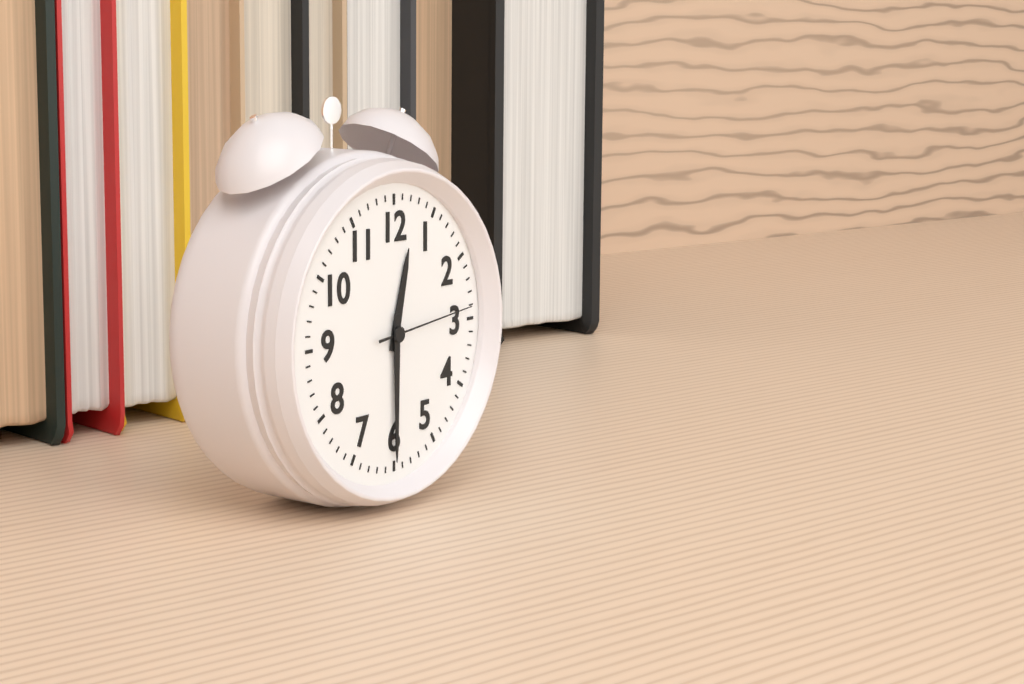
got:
12:30:14
